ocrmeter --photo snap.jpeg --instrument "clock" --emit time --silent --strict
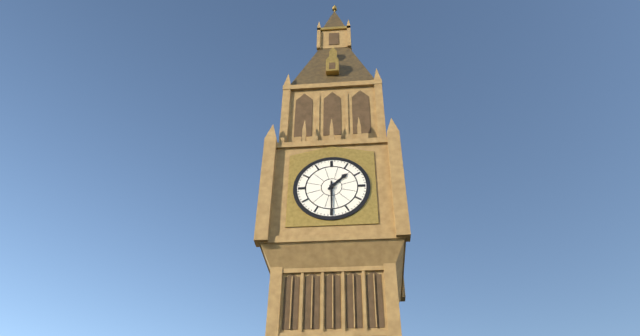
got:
1:30
